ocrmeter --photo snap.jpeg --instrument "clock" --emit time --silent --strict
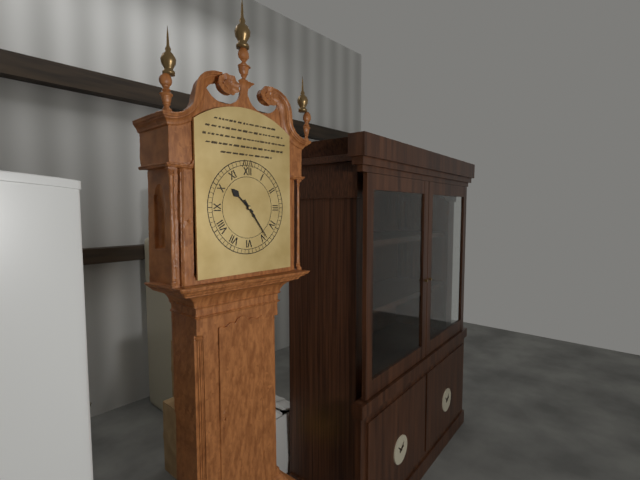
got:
10:24
